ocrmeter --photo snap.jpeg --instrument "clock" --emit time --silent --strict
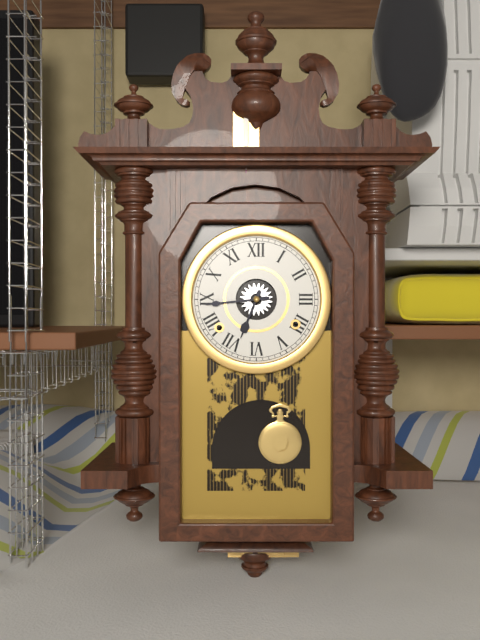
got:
6:44
